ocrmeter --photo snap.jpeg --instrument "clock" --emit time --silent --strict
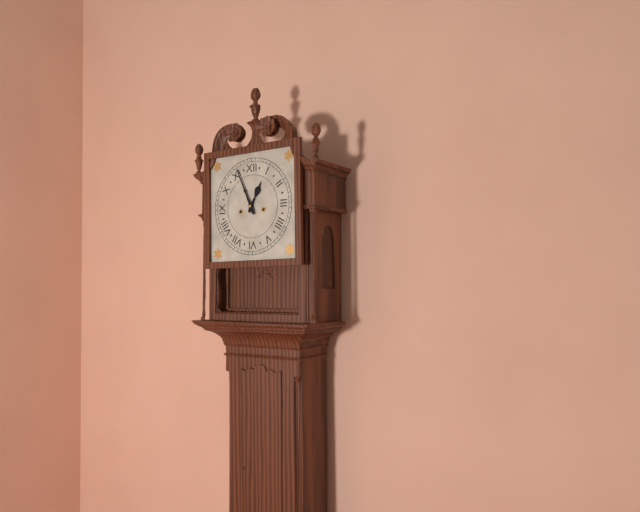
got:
12:56
